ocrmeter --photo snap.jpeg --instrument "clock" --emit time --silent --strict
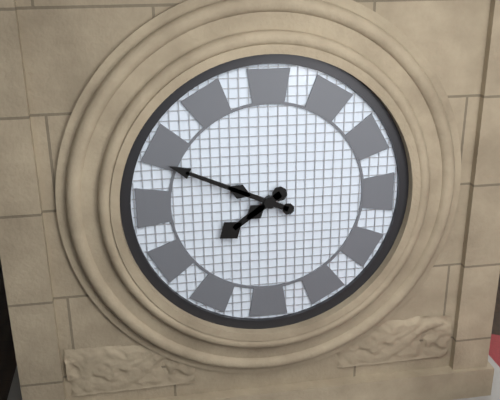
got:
7:49
